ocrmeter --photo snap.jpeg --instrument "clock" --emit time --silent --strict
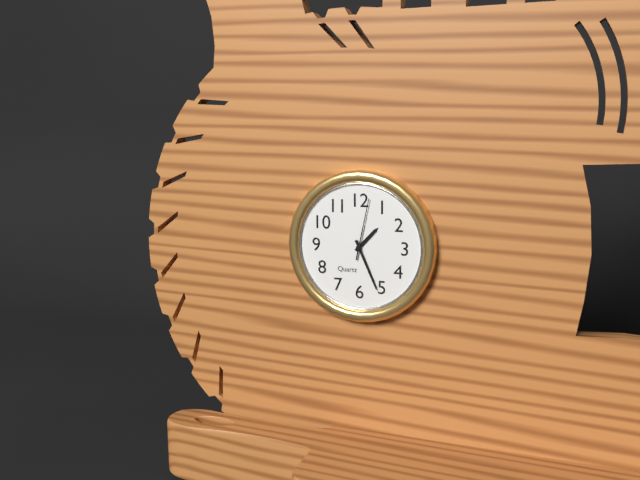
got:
1:26:02
